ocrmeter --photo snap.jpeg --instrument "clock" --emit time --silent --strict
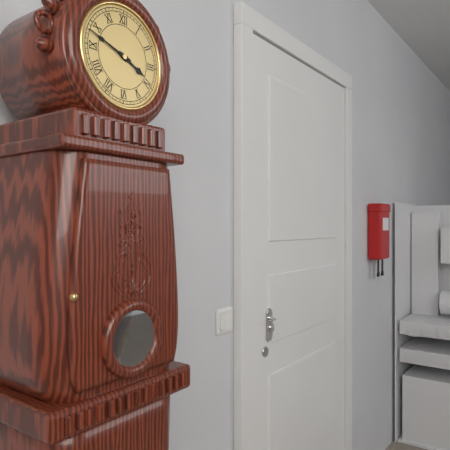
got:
3:48
